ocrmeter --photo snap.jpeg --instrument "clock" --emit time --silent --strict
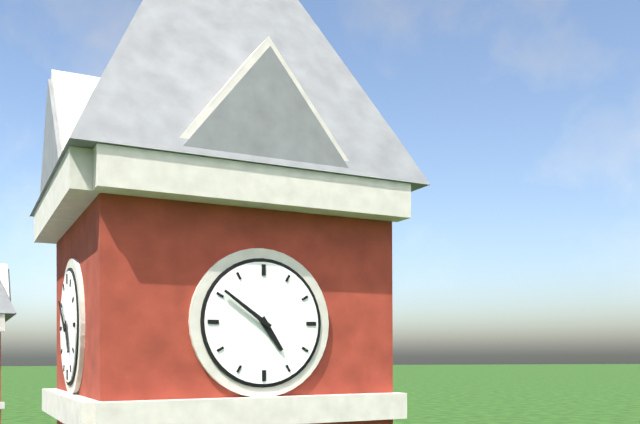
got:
4:51
